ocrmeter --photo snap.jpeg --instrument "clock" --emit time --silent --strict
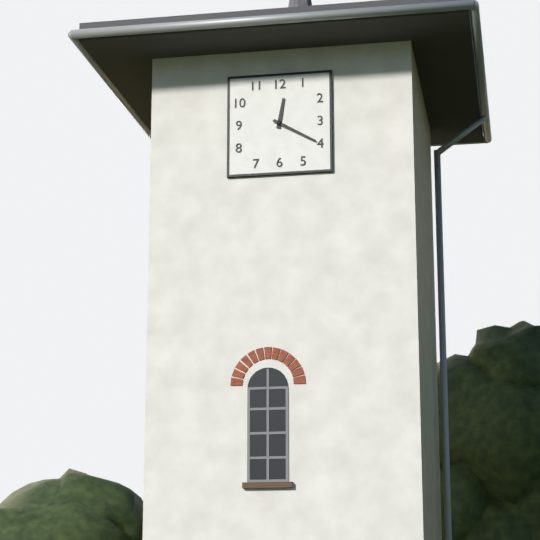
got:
12:20
